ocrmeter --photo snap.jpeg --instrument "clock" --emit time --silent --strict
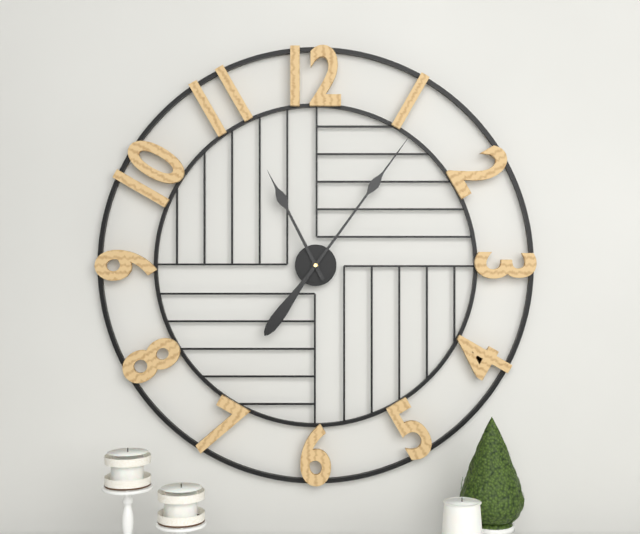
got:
11:06
